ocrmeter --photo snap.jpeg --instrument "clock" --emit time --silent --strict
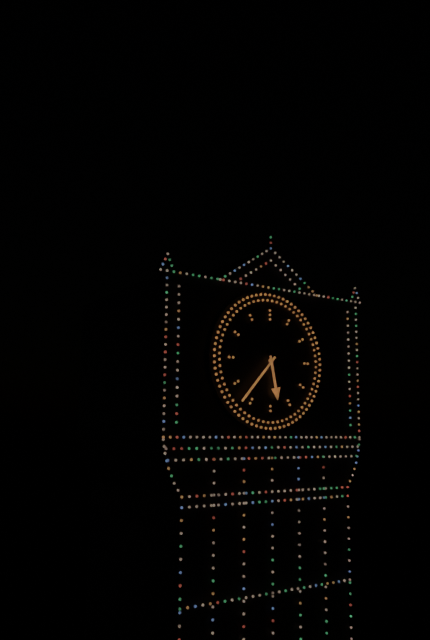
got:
5:37
